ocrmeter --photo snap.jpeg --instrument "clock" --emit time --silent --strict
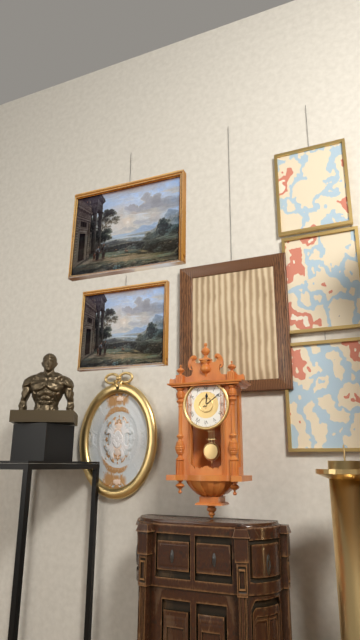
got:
12:09
